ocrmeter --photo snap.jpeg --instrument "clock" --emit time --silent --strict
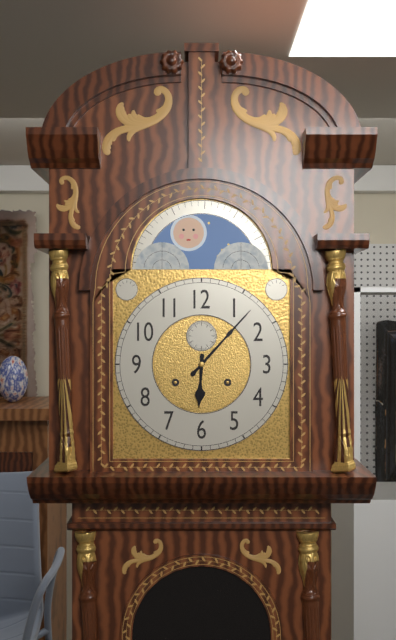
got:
6:07
